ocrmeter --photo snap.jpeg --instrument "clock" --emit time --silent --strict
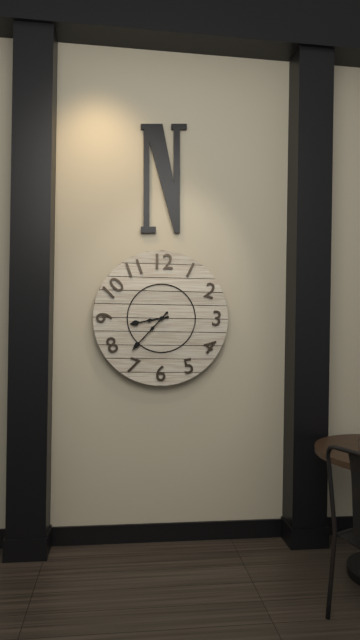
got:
8:37
